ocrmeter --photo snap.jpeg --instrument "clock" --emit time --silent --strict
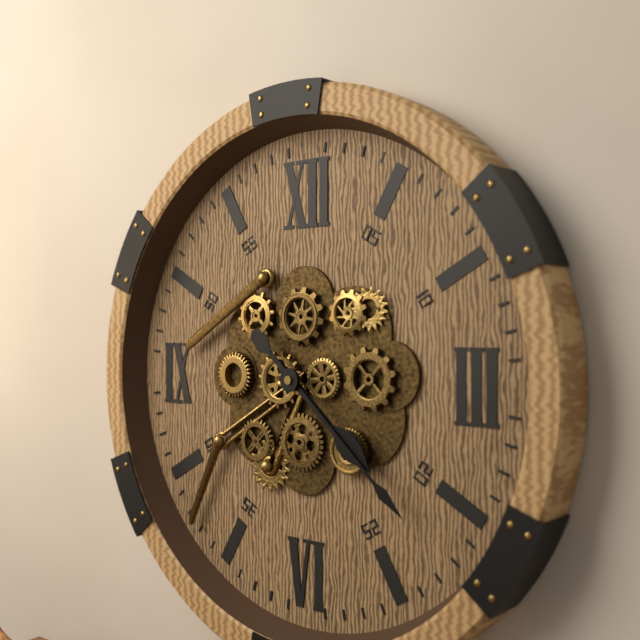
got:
4:22
